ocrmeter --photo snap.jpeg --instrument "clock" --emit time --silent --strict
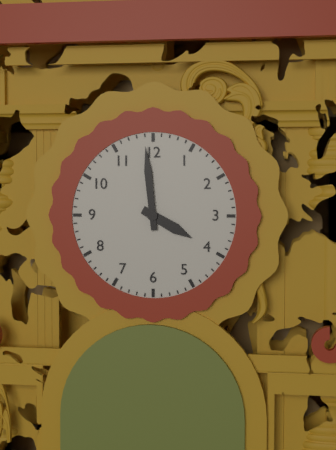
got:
3:59
